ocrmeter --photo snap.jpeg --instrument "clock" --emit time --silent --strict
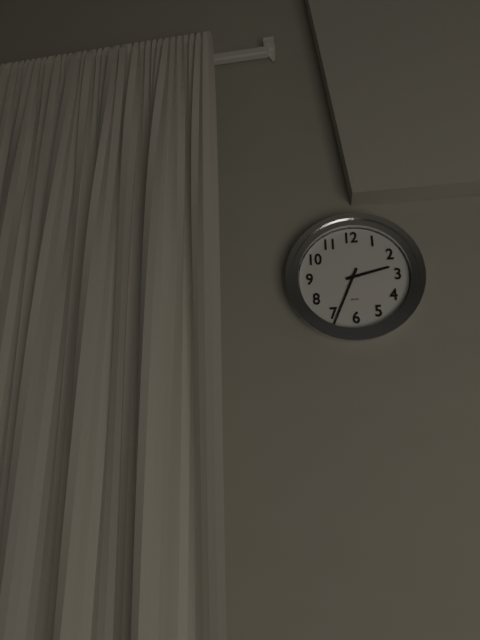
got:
2:34
